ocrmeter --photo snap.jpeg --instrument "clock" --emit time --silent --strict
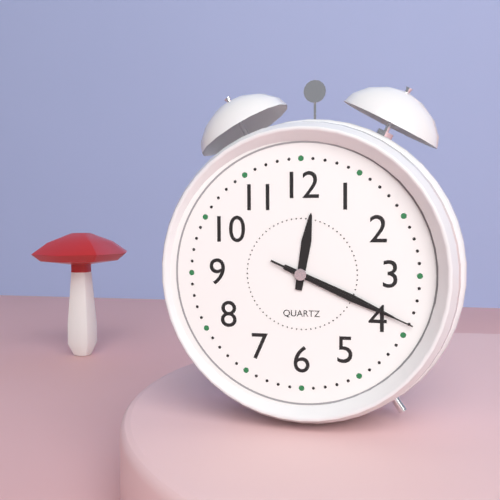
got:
12:19:19
